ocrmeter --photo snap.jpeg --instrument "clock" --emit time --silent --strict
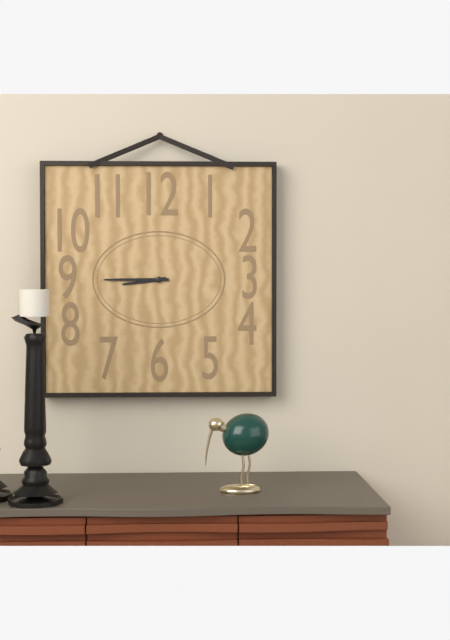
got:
8:45
